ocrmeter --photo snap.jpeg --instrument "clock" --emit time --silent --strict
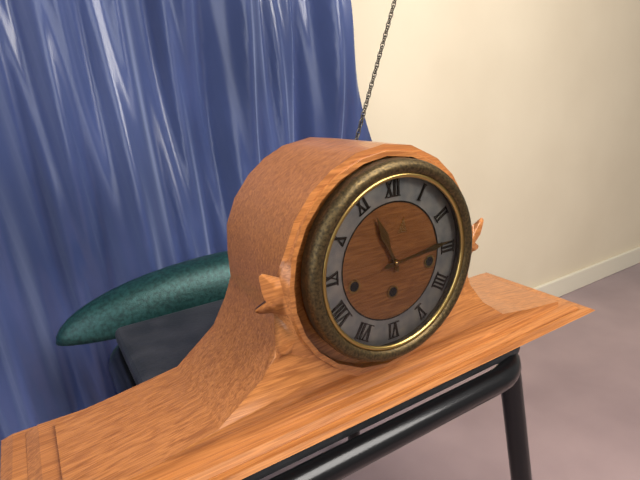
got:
11:14
